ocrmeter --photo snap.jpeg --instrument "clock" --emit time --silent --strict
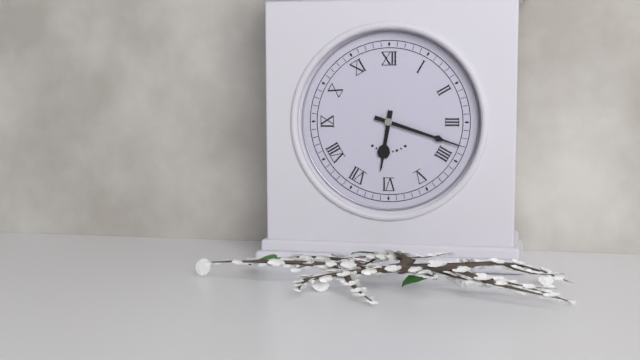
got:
6:18
